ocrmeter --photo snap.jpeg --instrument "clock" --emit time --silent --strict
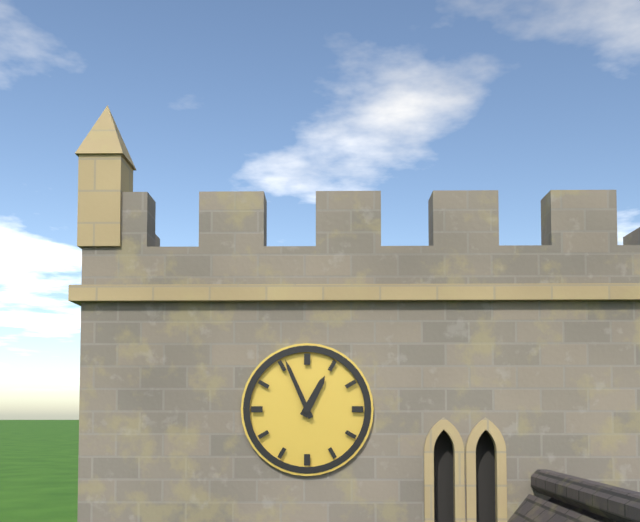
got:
12:56
